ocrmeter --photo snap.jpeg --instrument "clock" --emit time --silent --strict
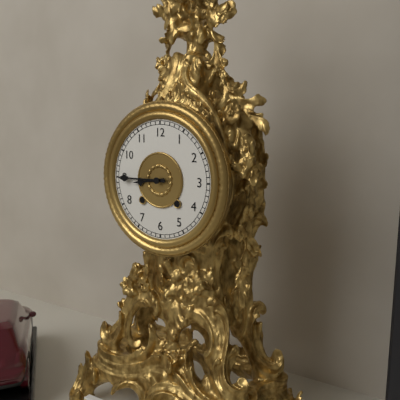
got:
8:45
